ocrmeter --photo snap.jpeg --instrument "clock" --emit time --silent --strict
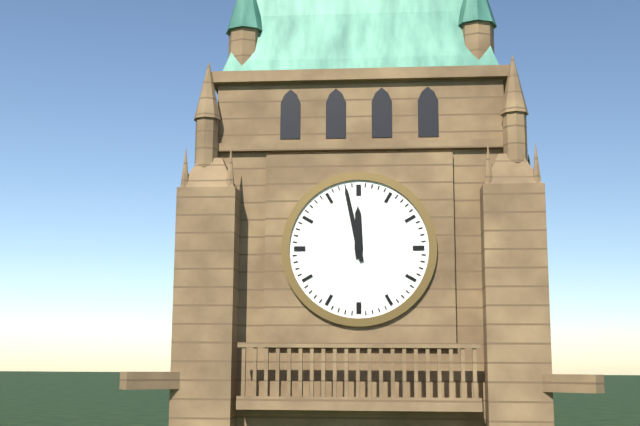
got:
11:58
